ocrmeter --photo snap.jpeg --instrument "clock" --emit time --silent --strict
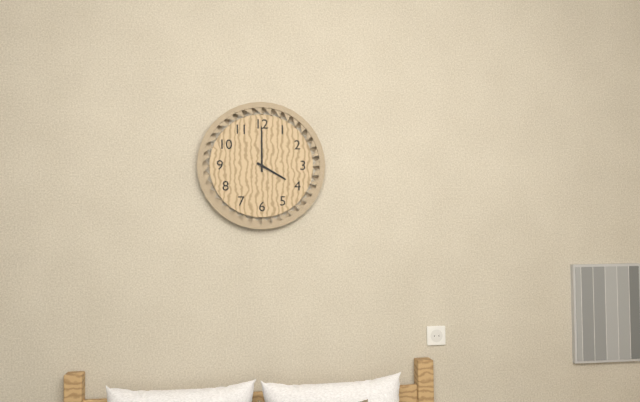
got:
4:00
